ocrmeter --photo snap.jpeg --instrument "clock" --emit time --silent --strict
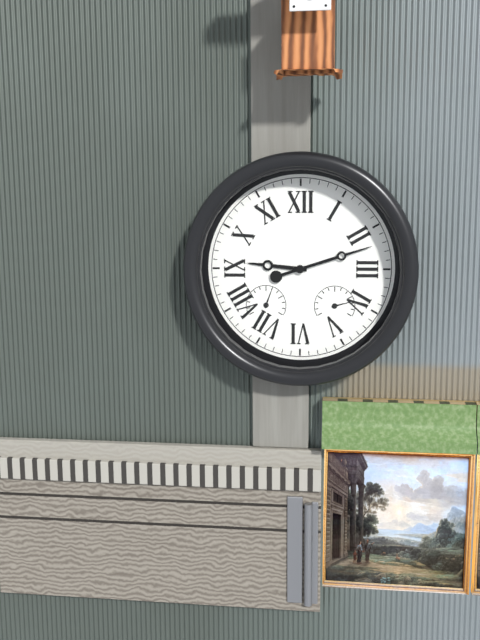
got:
9:12
